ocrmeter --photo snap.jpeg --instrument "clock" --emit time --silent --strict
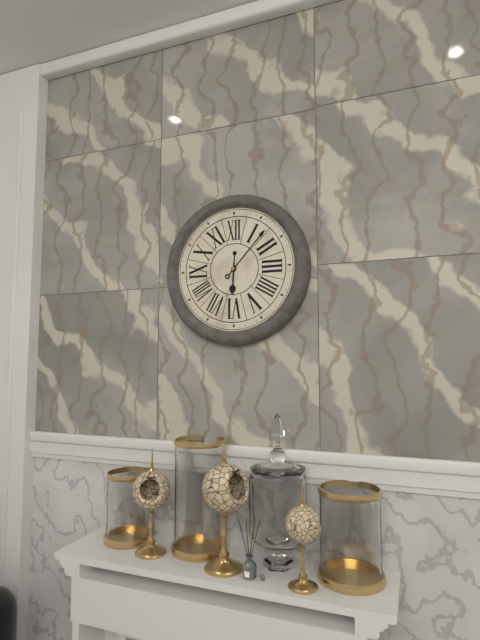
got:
6:07
